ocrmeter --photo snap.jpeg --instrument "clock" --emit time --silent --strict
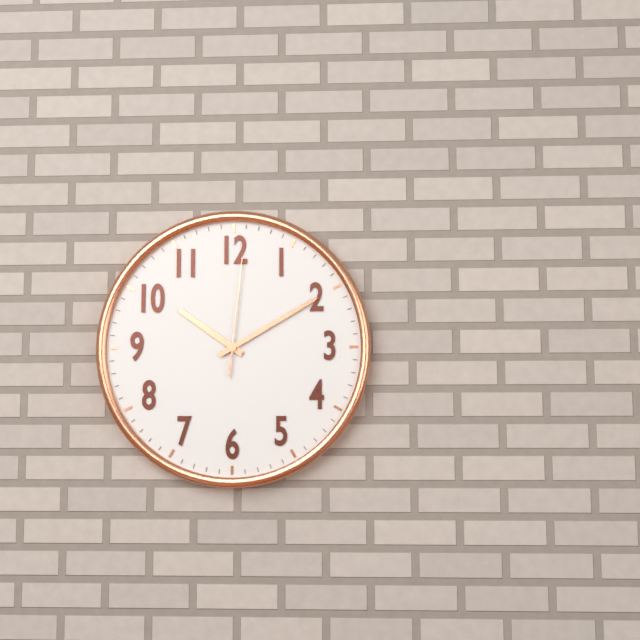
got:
10:10:01
